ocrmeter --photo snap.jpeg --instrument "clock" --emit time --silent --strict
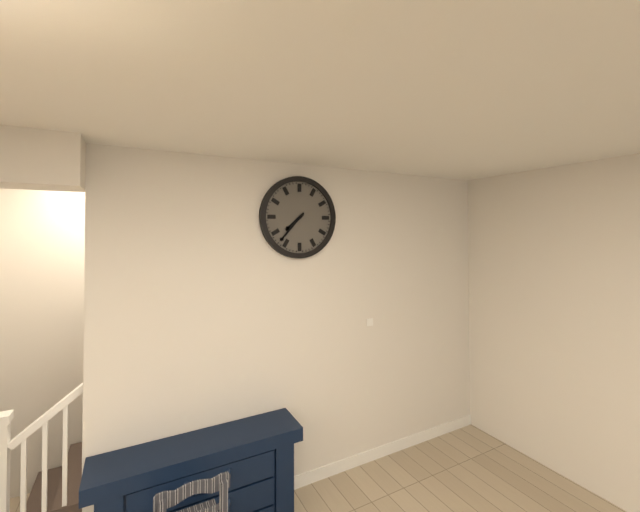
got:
7:37
